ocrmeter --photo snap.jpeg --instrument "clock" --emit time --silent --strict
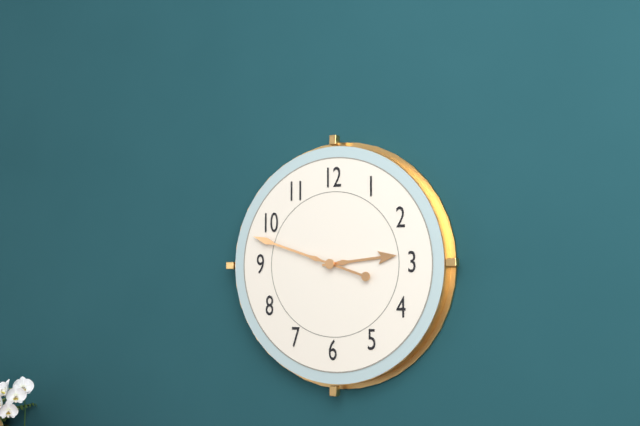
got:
2:48
